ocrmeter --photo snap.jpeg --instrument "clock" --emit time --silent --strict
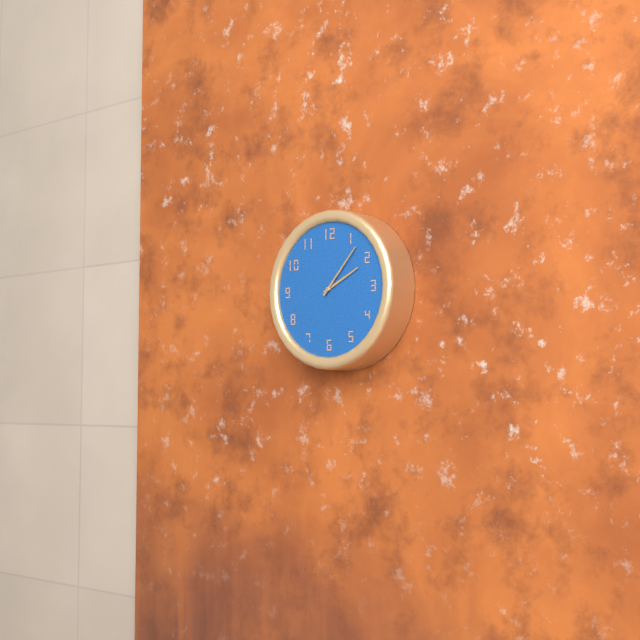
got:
2:07
